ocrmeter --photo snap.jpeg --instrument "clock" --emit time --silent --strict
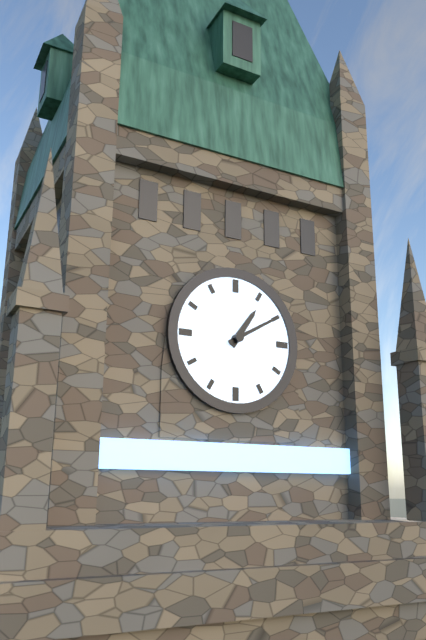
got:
1:10
